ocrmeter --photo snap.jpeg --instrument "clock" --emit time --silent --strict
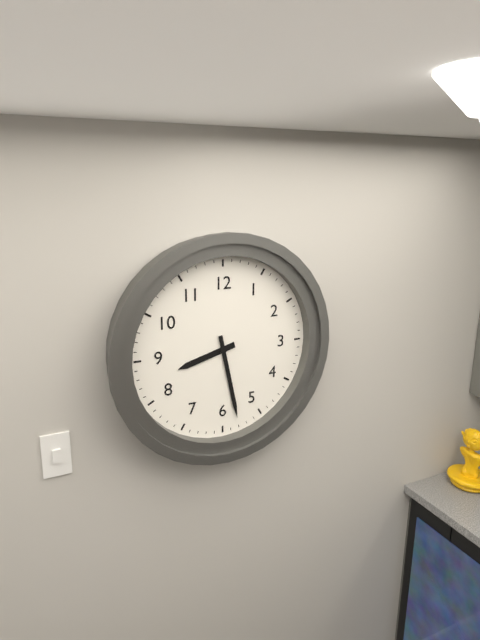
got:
8:28
